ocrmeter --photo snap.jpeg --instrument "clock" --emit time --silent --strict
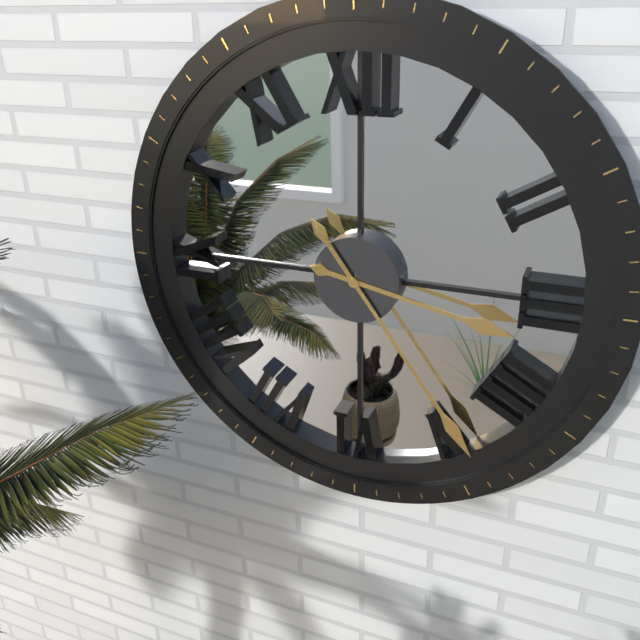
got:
3:24
